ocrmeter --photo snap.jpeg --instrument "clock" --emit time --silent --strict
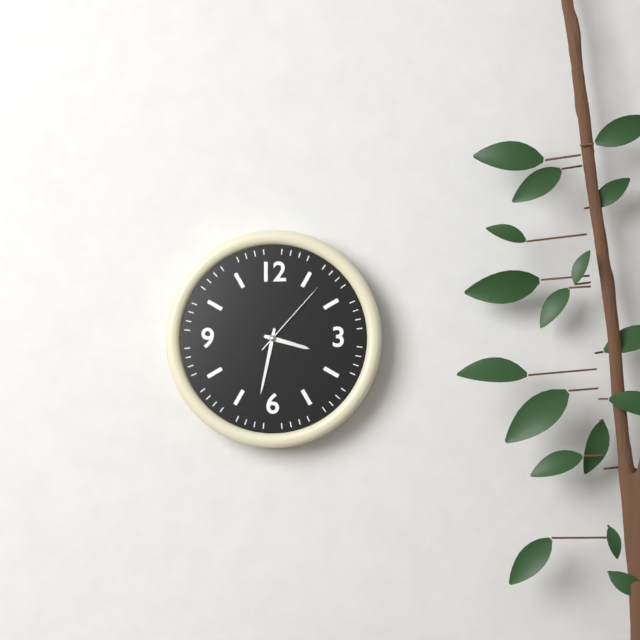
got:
3:32:07
